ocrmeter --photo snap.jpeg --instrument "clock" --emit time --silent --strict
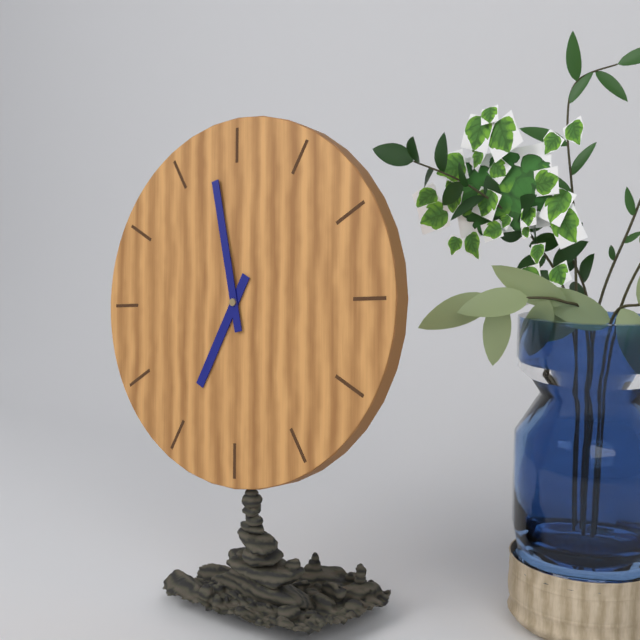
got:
6:58
